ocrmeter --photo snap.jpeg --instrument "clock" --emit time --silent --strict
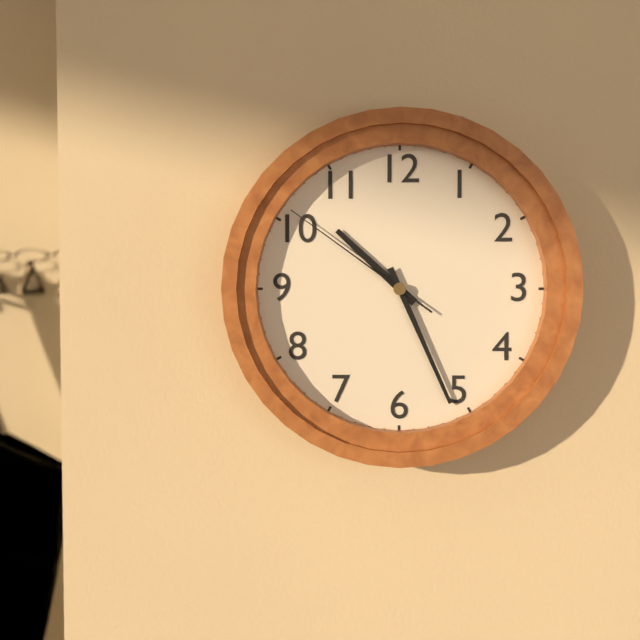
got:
10:26:51
